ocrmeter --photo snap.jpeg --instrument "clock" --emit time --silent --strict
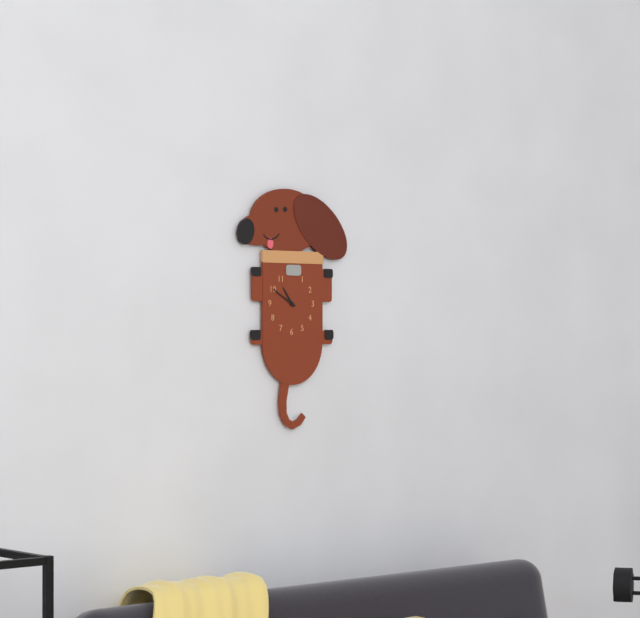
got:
10:50
